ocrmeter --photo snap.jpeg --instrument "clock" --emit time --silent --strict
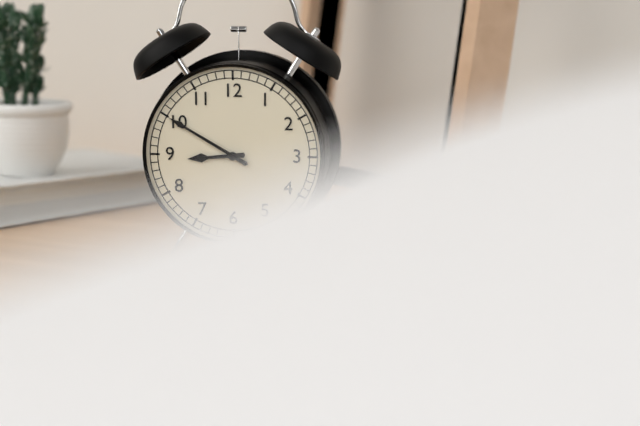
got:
8:50
